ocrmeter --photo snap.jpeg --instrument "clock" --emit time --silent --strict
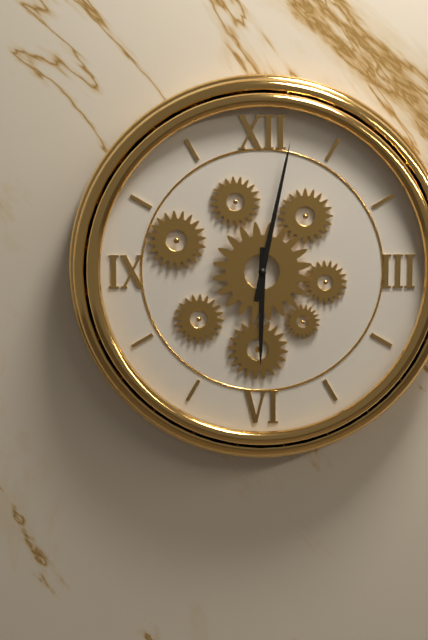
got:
6:02
